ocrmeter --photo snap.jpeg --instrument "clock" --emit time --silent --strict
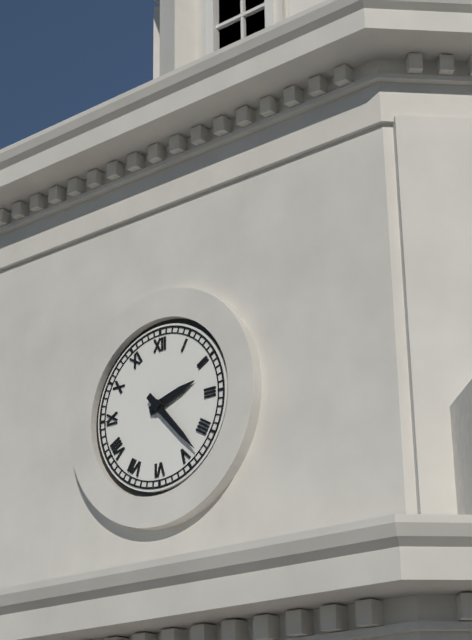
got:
2:23
